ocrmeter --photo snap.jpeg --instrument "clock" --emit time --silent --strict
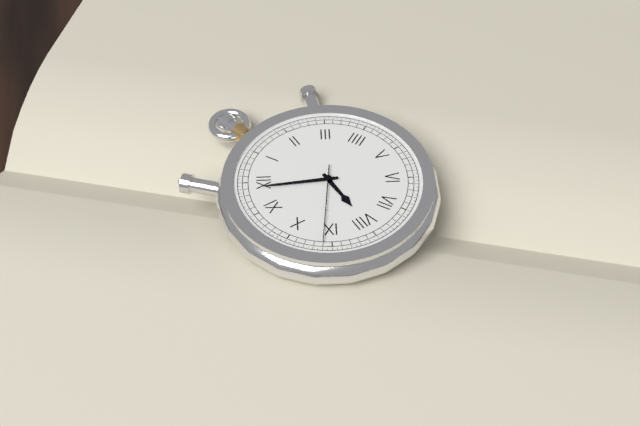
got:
7:59:46
